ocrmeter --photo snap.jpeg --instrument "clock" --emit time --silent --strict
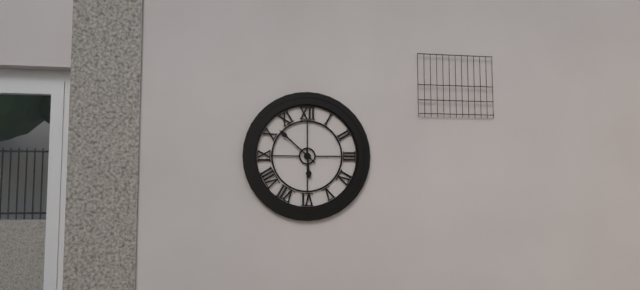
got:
5:52
